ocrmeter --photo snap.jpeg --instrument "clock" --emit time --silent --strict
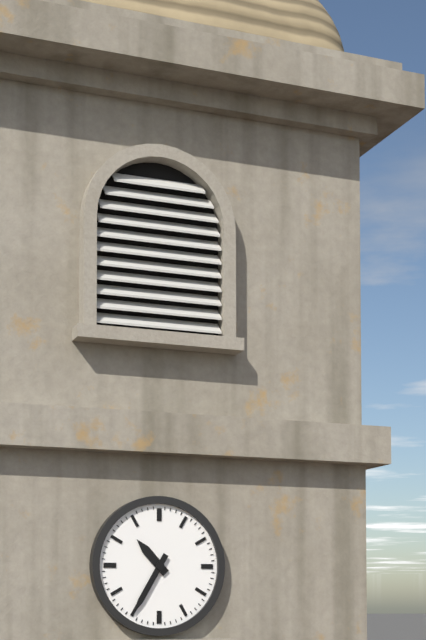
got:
10:35
